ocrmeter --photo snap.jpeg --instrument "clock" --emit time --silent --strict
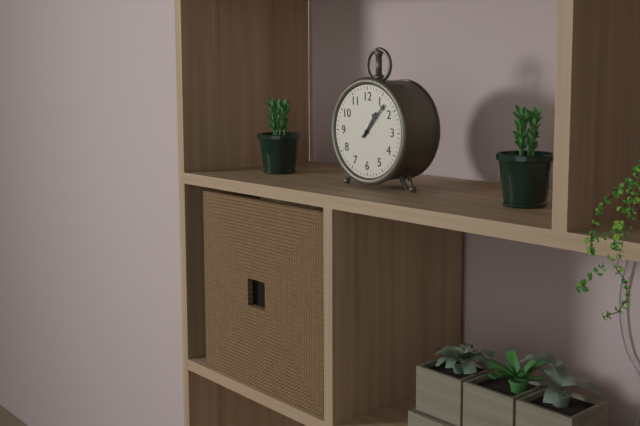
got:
1:07
